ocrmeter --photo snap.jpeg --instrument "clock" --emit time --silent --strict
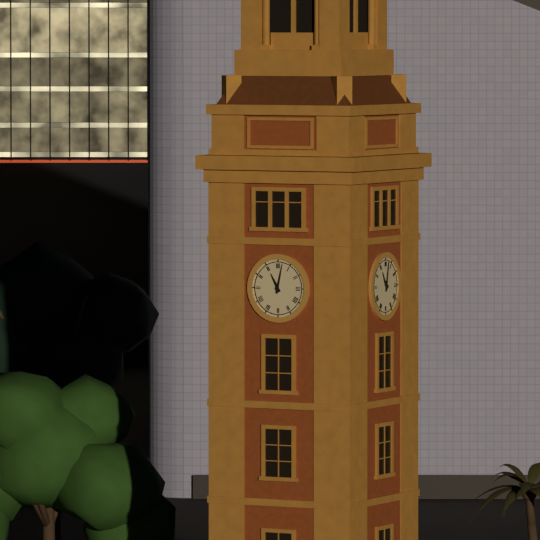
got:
11:02
